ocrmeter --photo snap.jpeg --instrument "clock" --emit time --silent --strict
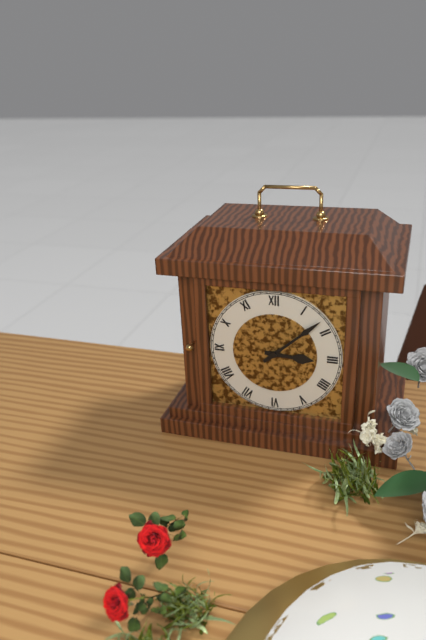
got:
3:08
